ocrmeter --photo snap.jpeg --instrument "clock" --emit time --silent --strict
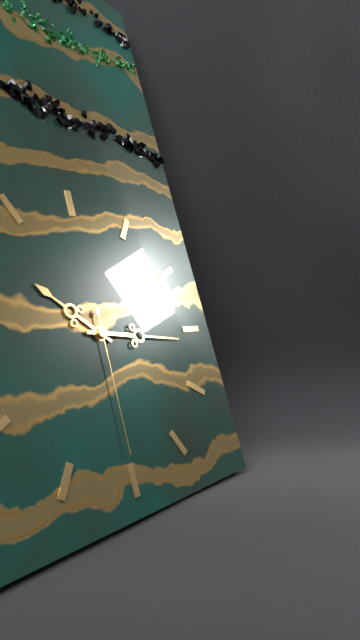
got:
10:16:30
